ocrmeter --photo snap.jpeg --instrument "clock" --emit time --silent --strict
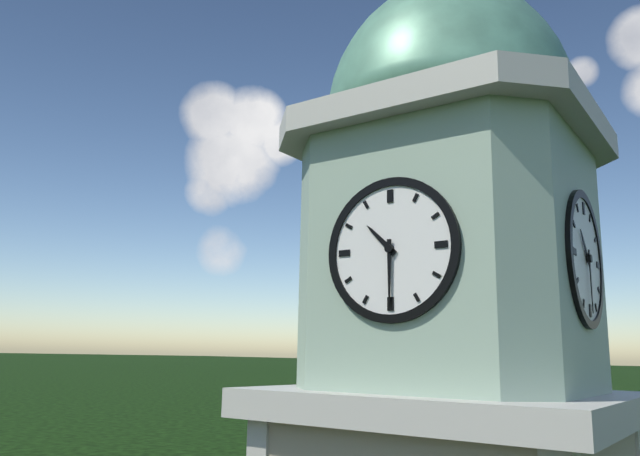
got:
10:30
